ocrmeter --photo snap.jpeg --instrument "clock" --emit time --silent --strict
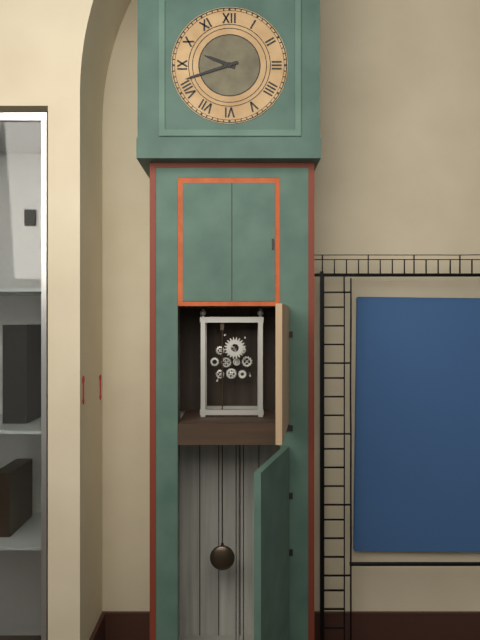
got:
9:42
